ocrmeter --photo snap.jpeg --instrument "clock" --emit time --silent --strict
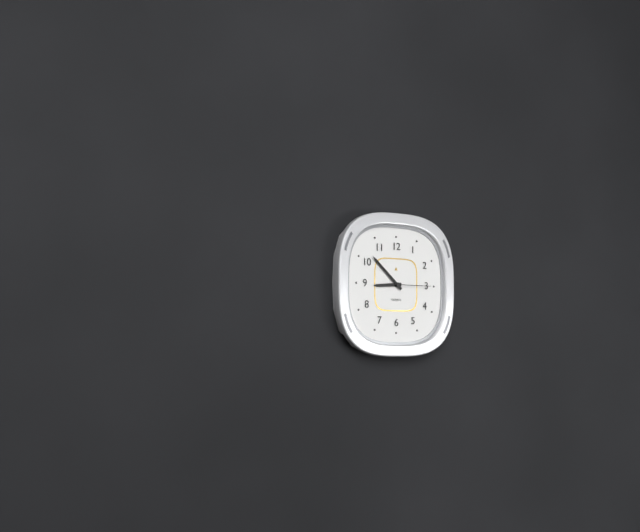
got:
8:52
